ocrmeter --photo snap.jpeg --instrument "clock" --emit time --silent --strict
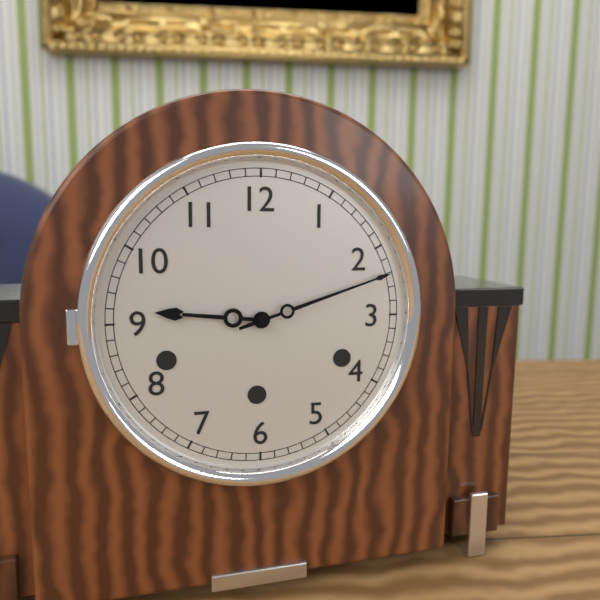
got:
9:12
